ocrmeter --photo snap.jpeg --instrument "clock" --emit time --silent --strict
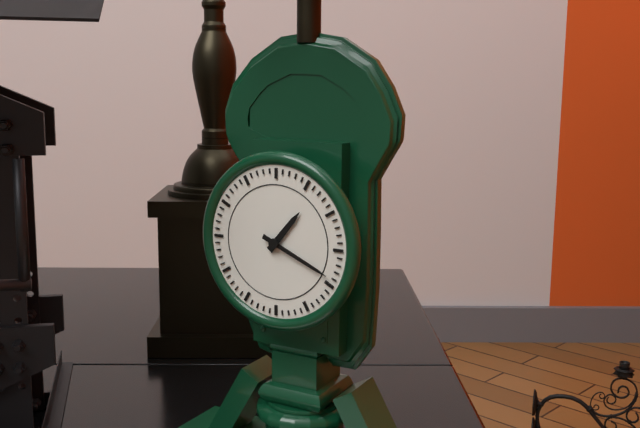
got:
1:19
